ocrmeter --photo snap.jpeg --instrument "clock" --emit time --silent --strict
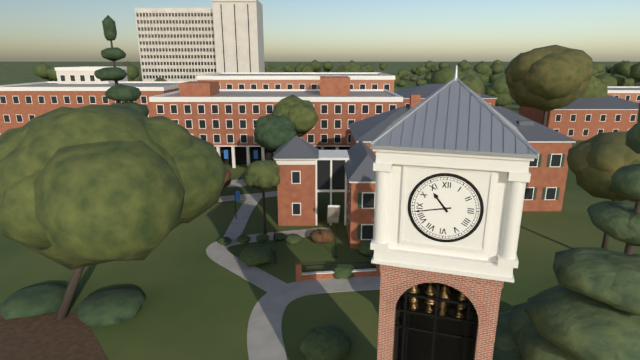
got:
10:43
